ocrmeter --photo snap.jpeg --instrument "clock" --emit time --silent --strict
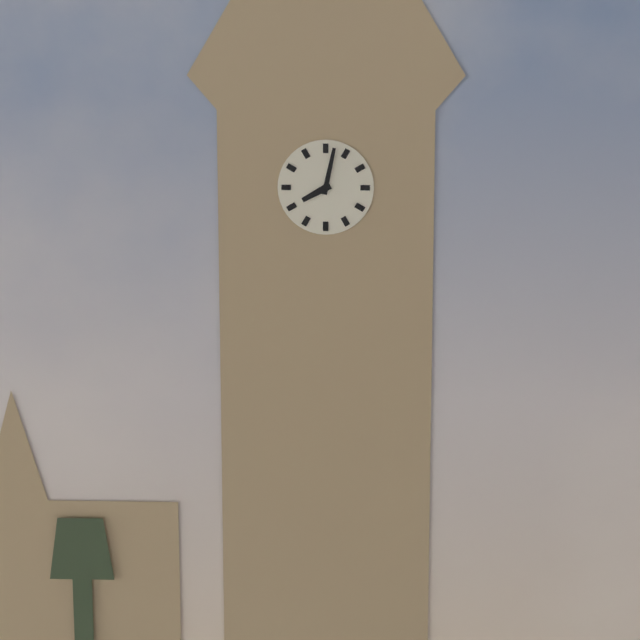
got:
8:02
